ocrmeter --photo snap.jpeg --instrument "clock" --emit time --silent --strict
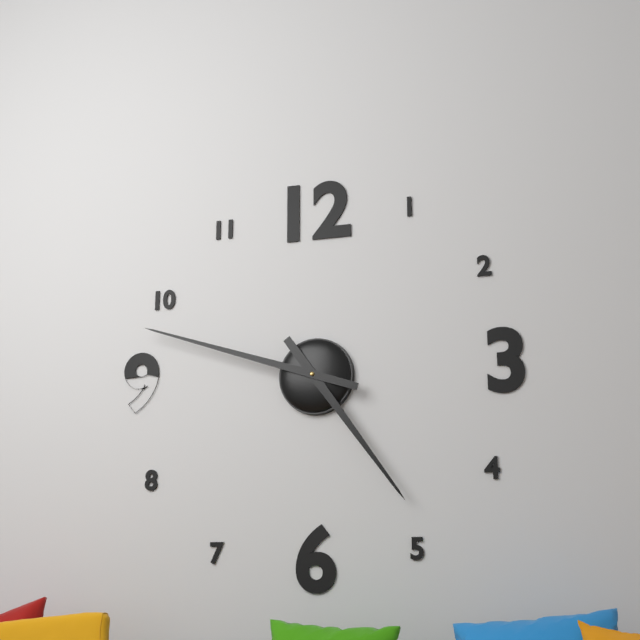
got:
4:48
